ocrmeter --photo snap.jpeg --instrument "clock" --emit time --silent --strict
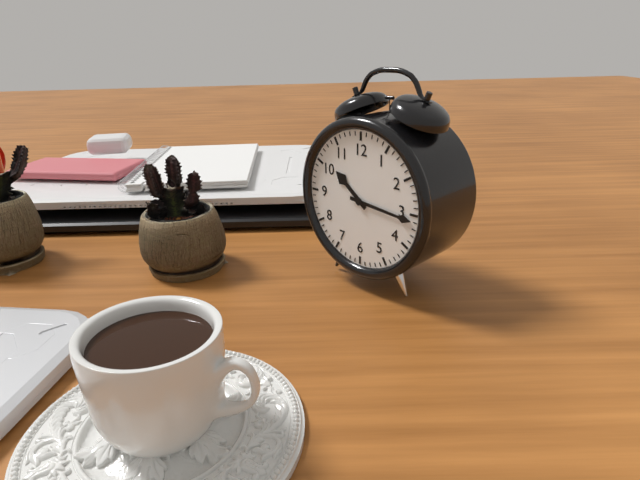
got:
10:16
